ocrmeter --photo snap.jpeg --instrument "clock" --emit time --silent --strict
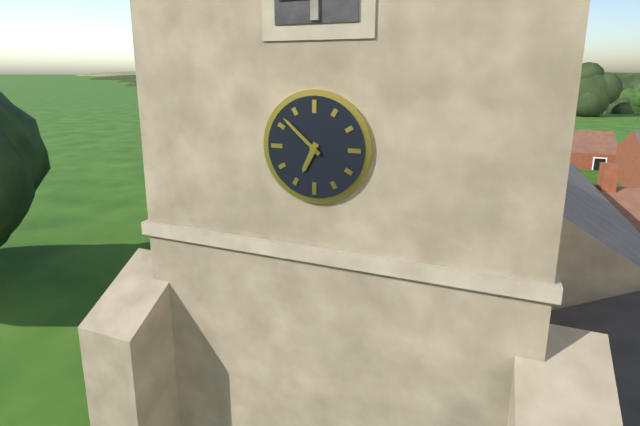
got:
6:52
